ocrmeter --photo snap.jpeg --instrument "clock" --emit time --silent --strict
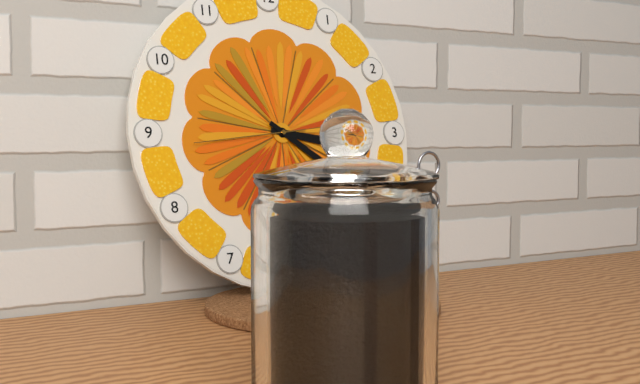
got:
3:21:44
